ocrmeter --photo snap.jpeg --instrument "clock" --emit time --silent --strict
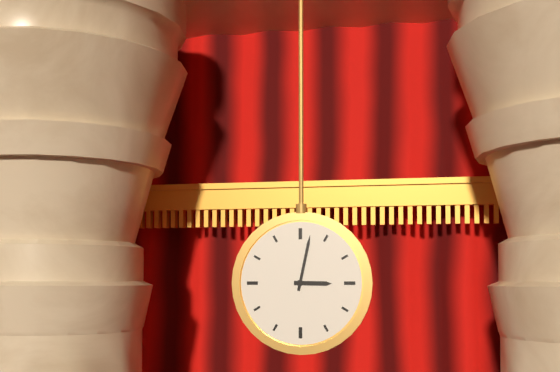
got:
3:02
